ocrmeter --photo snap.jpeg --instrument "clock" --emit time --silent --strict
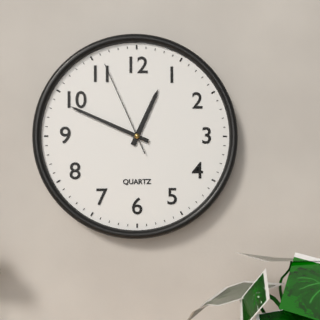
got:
12:49:56
